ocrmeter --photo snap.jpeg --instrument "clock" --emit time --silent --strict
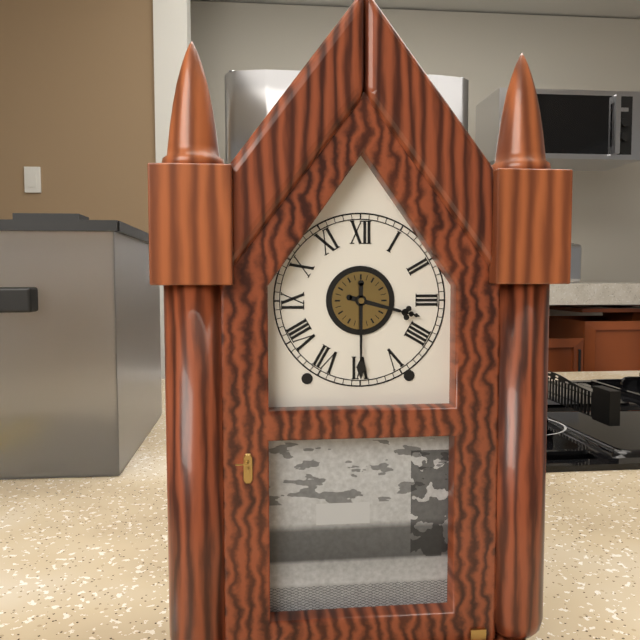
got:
3:30
